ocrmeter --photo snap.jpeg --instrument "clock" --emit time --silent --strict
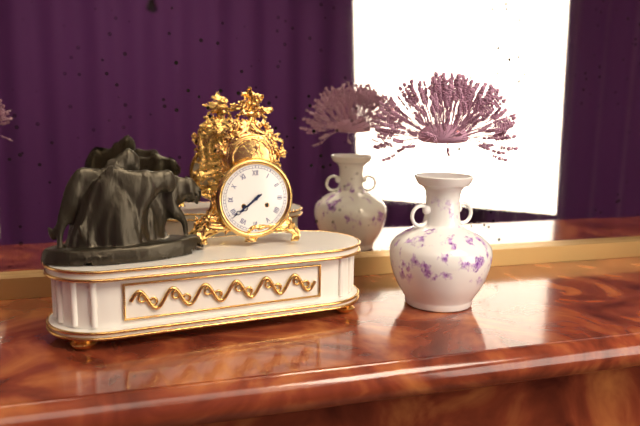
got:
7:39
